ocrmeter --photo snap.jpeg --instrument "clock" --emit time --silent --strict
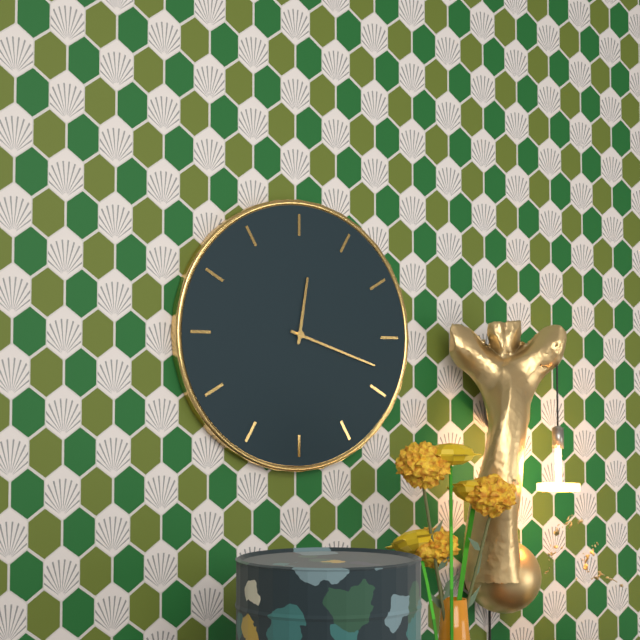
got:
12:18
